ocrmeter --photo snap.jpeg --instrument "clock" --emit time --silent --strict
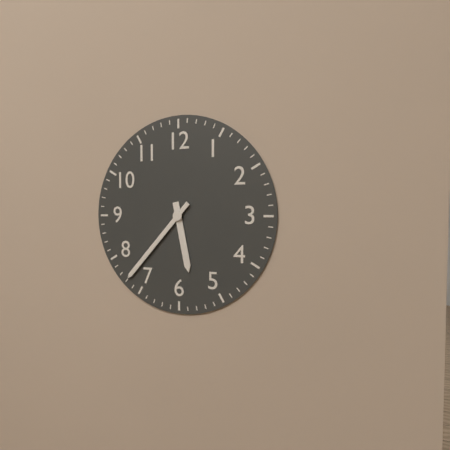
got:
5:37
